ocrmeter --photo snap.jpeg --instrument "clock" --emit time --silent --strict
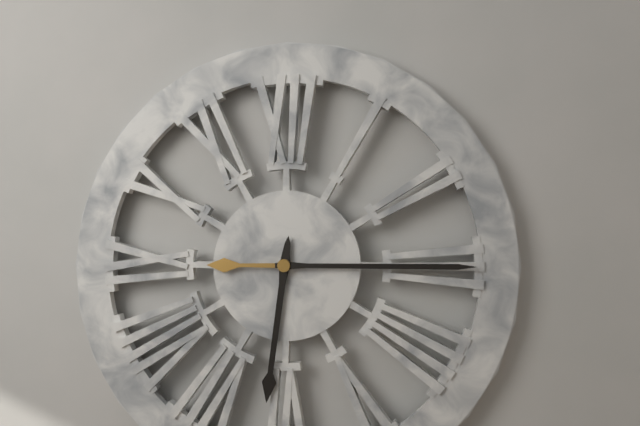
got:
6:15
